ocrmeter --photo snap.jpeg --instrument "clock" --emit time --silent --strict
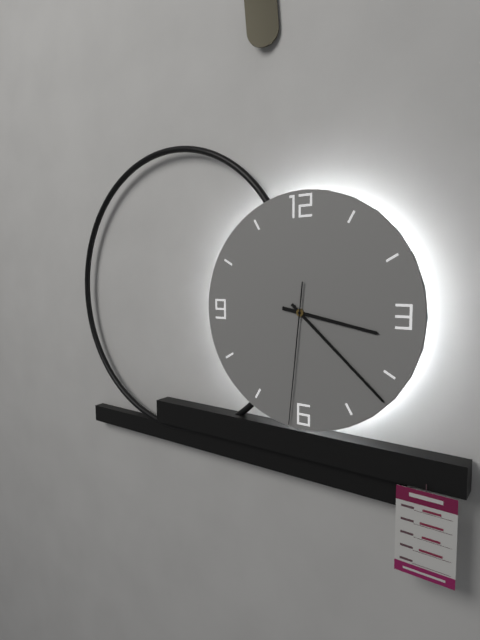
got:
3:22:31
